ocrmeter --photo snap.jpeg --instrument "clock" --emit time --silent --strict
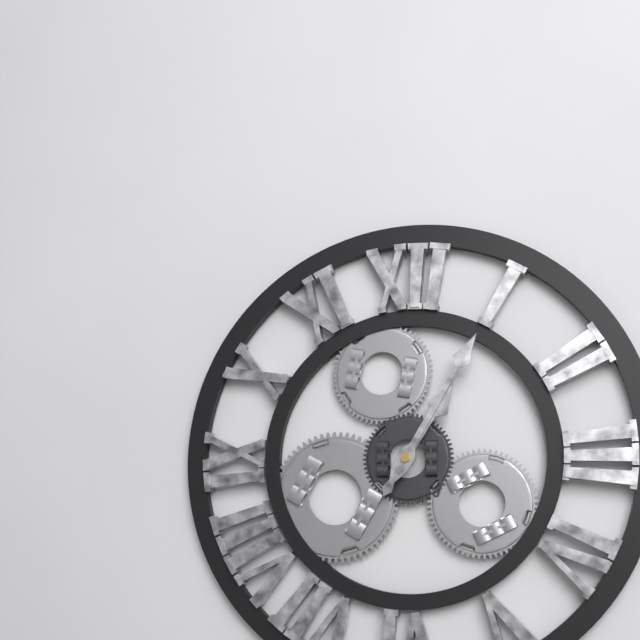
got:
1:05
